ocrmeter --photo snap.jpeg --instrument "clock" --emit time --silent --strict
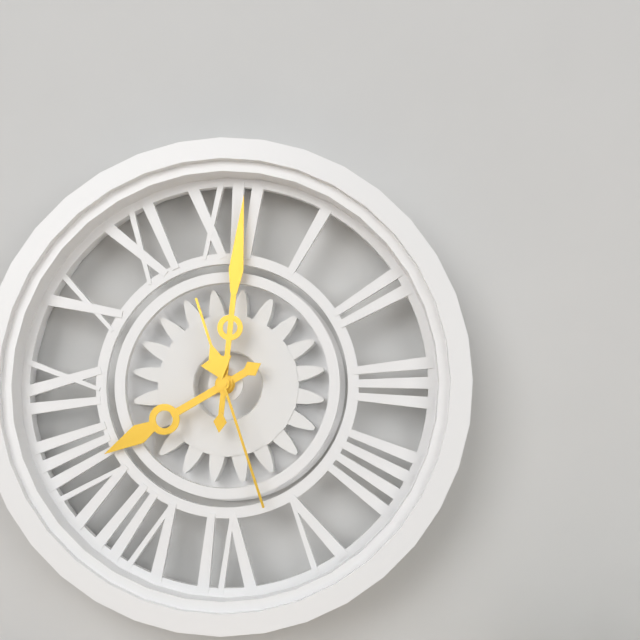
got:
8:01:27
